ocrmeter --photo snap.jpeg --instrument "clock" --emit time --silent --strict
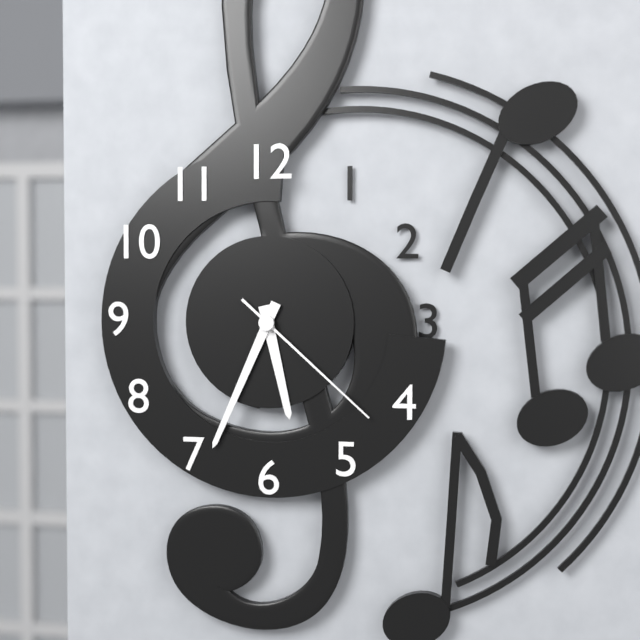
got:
5:34:22
